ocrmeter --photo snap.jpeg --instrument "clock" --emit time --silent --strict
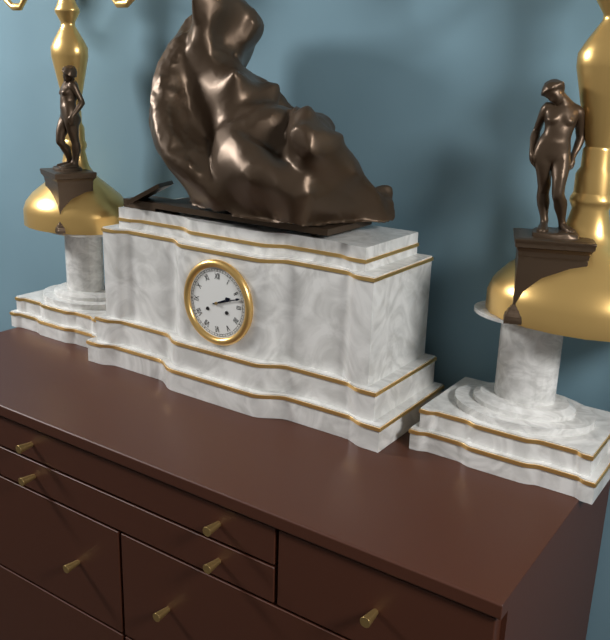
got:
2:12
